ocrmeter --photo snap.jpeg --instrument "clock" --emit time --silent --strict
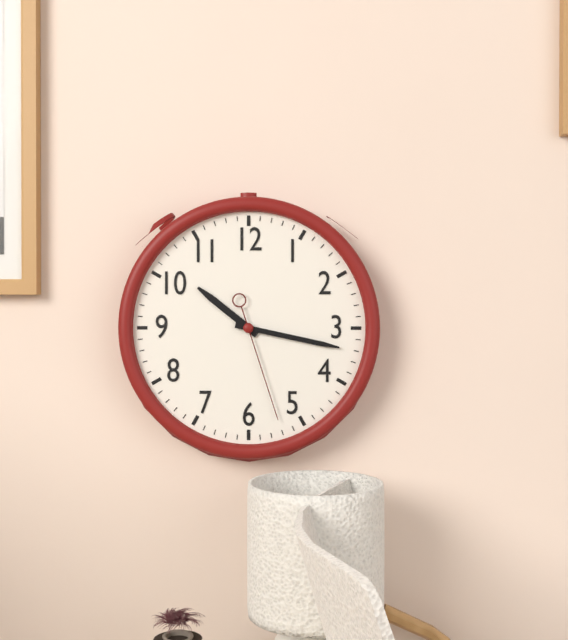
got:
10:17:27
